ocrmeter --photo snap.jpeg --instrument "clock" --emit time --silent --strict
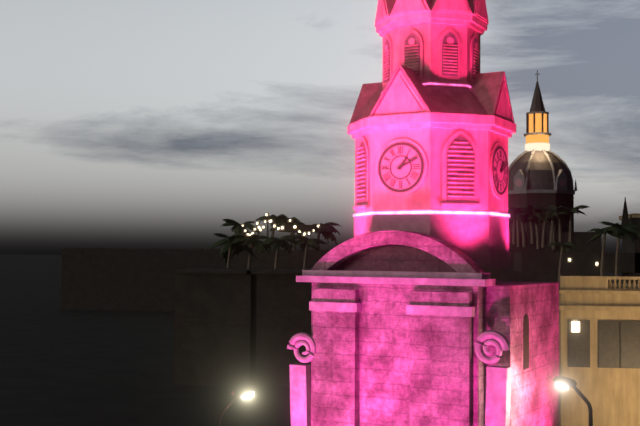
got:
1:11
